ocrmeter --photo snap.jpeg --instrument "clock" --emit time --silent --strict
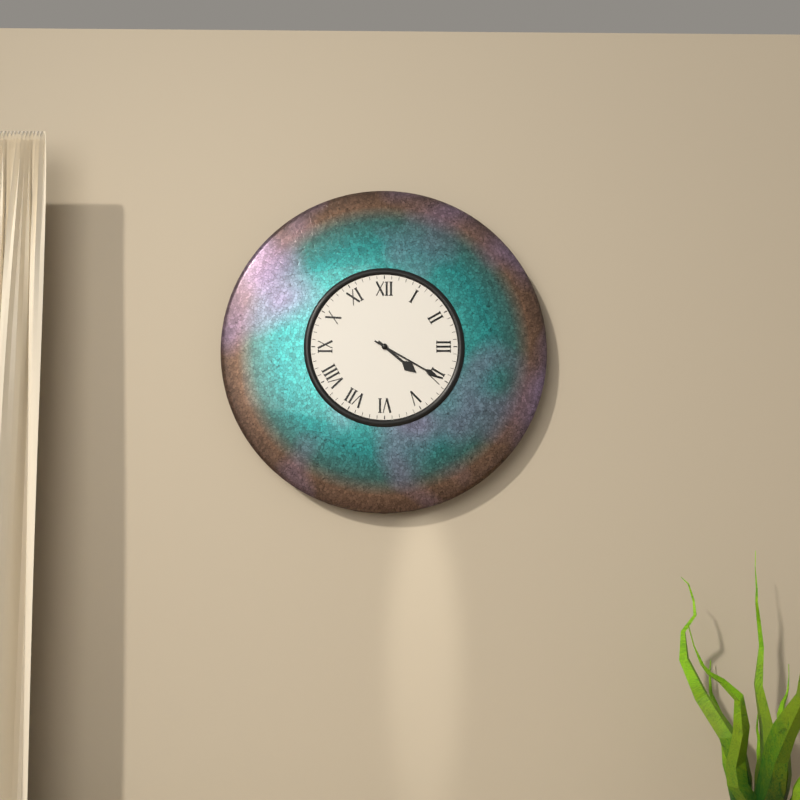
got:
4:20
